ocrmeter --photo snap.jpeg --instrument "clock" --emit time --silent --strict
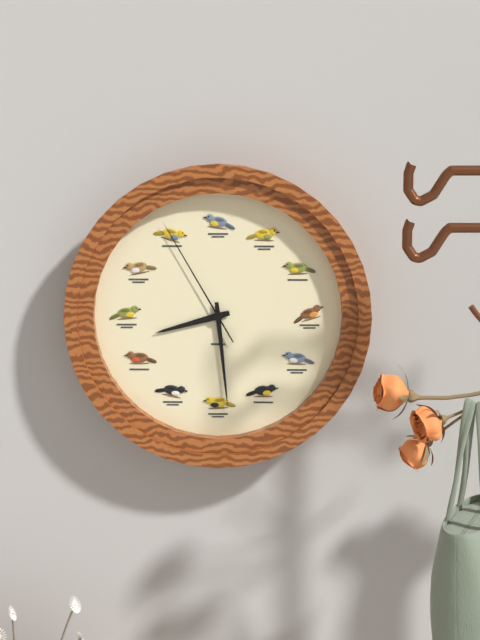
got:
8:29:55
